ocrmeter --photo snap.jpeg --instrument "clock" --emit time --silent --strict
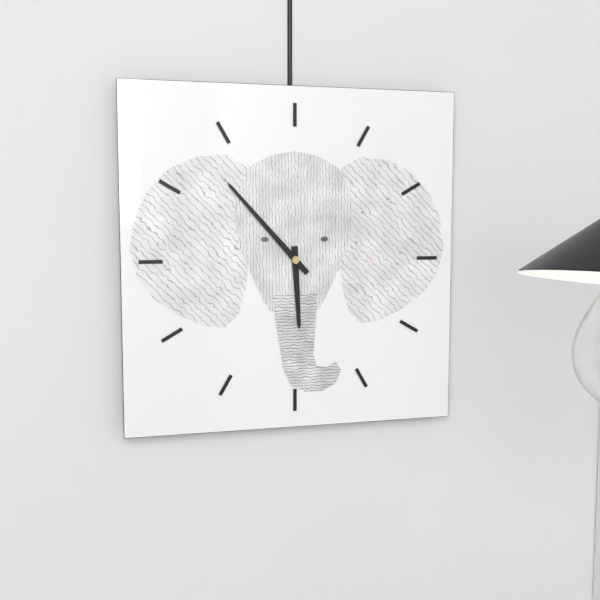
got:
5:53
